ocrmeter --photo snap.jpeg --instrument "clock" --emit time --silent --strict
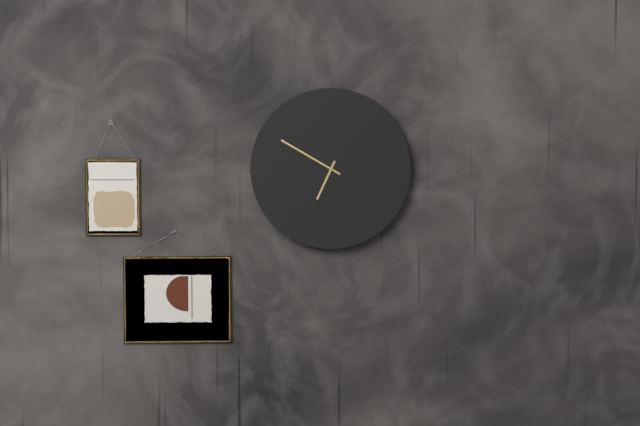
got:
6:50
